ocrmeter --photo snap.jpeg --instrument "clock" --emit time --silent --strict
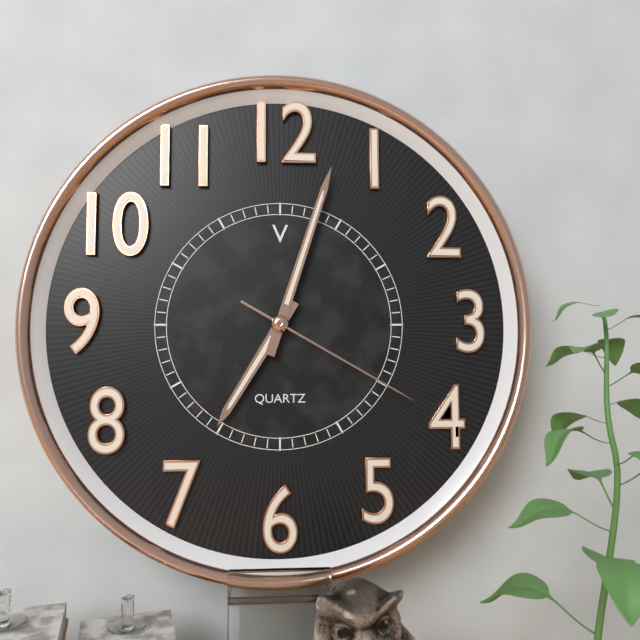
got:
7:03:20
